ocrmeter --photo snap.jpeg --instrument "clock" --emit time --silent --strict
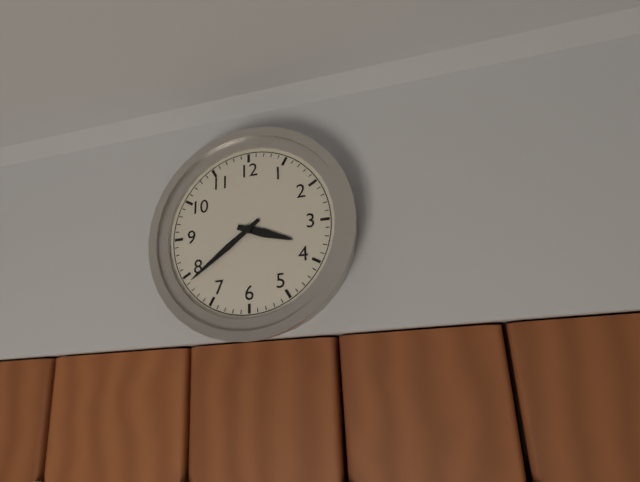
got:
3:39
